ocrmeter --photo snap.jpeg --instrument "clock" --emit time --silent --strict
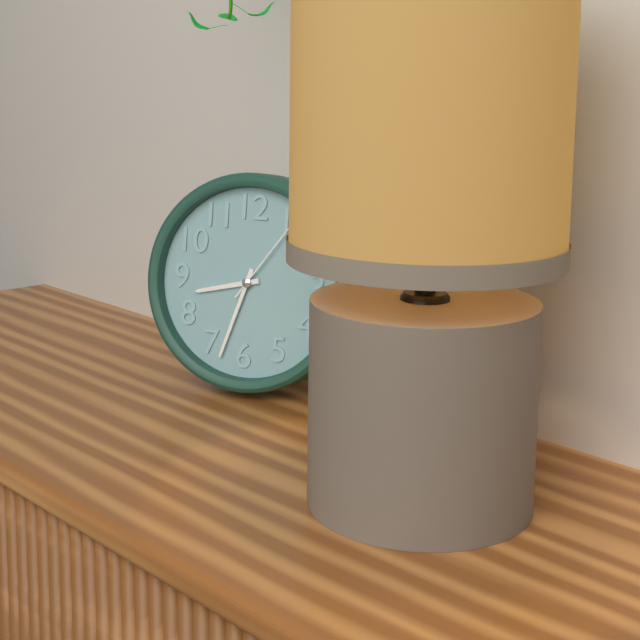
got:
8:33:06
